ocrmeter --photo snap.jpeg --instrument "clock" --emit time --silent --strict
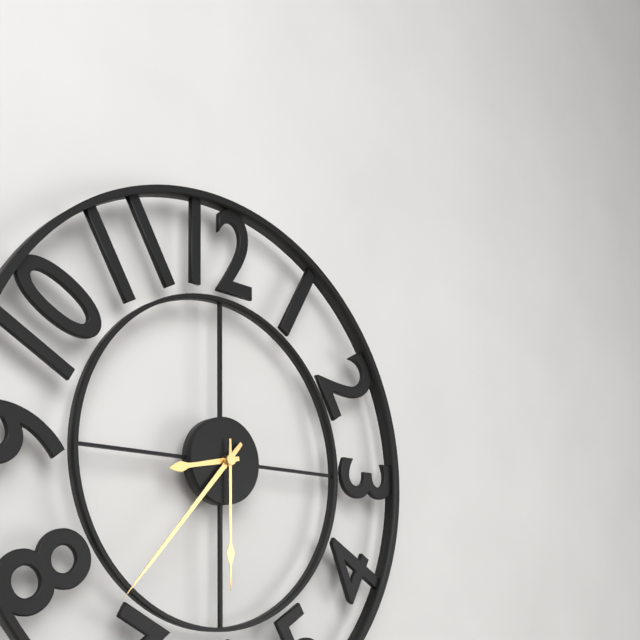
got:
8:37:30
